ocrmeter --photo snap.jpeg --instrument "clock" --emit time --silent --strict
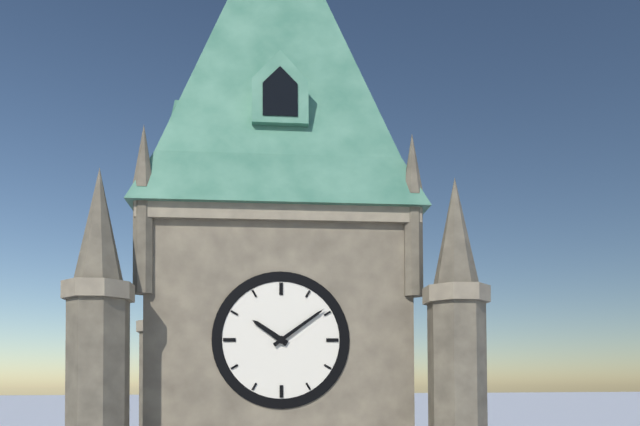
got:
10:09
